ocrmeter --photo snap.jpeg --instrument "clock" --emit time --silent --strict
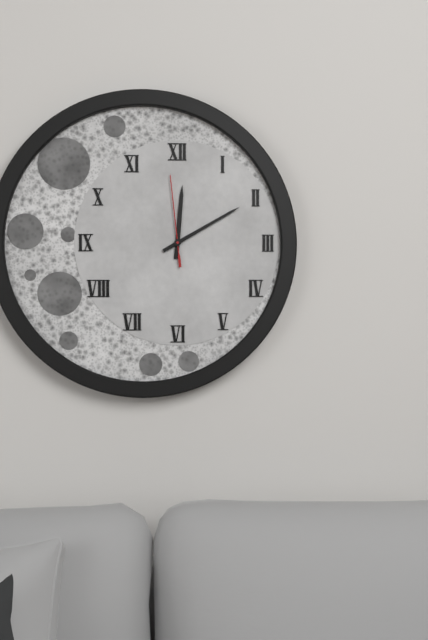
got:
12:10:59
